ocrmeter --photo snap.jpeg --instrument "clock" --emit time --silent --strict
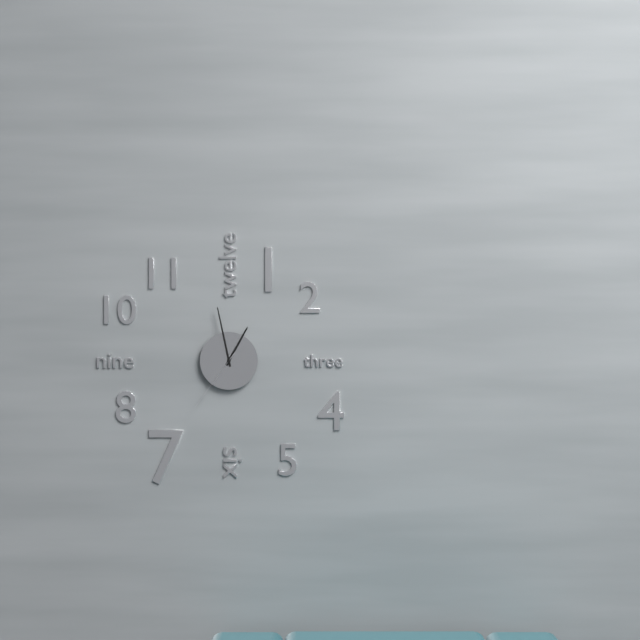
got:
12:58:36
